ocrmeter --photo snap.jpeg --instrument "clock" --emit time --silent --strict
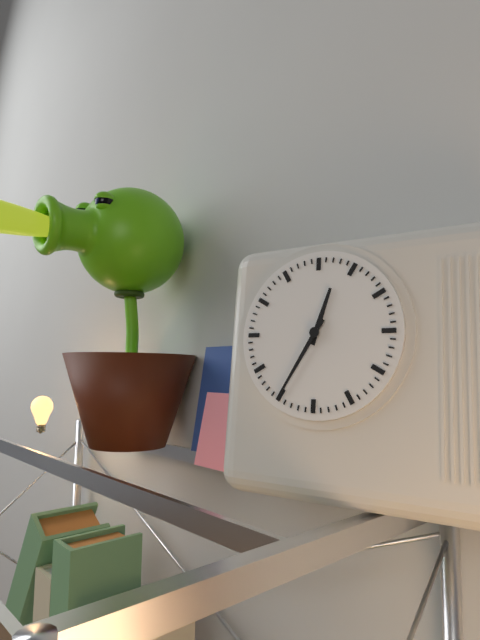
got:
12:35
